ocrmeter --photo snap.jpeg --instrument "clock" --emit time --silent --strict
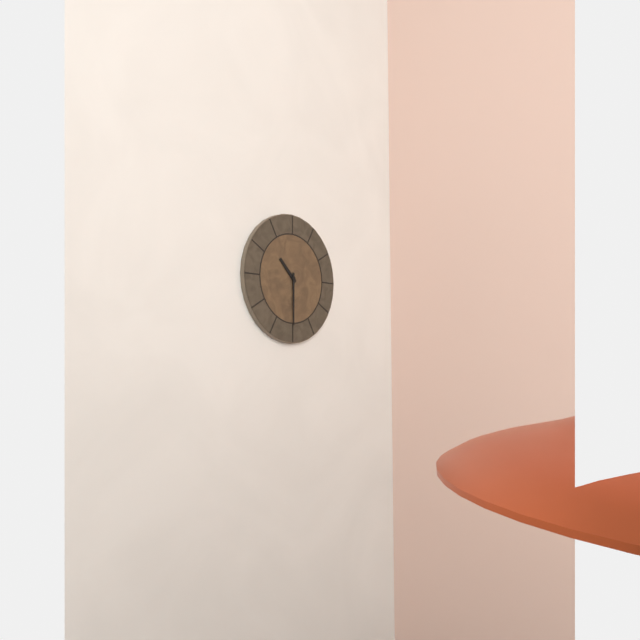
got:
10:30
